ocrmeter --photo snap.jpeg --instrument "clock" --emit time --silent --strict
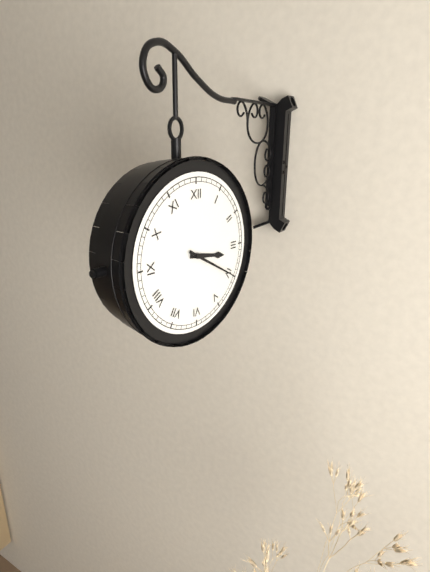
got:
3:20
